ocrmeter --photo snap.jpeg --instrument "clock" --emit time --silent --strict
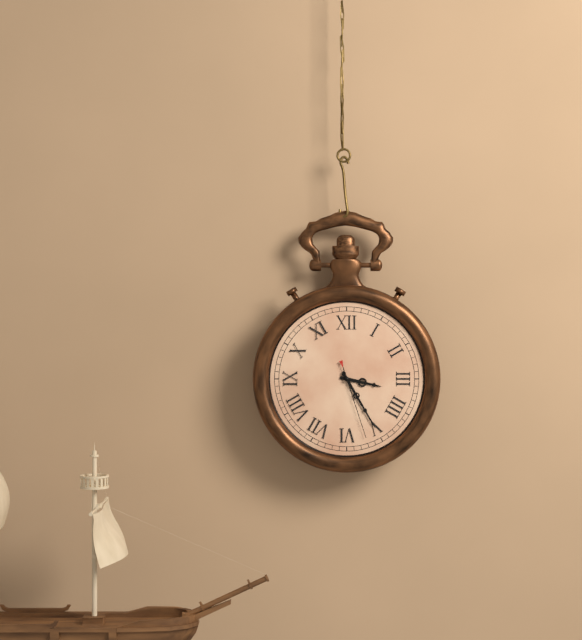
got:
3:25:27
